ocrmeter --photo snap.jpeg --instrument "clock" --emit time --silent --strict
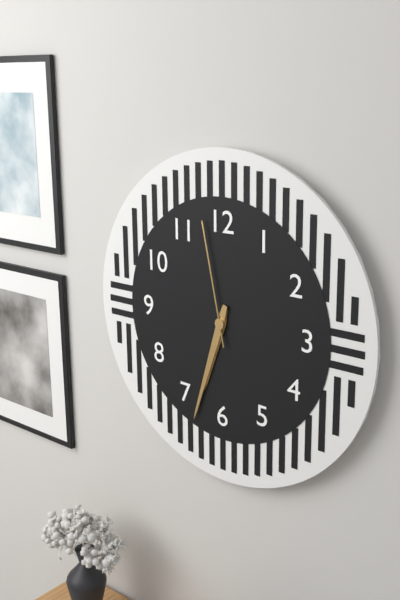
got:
6:33:58
